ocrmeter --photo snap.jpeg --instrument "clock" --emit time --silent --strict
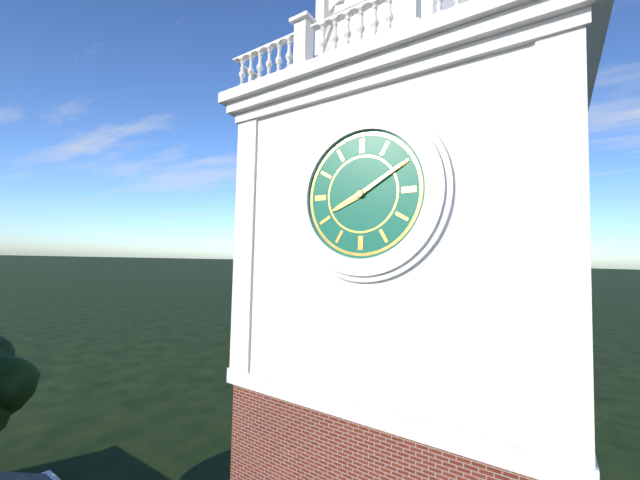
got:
8:10
